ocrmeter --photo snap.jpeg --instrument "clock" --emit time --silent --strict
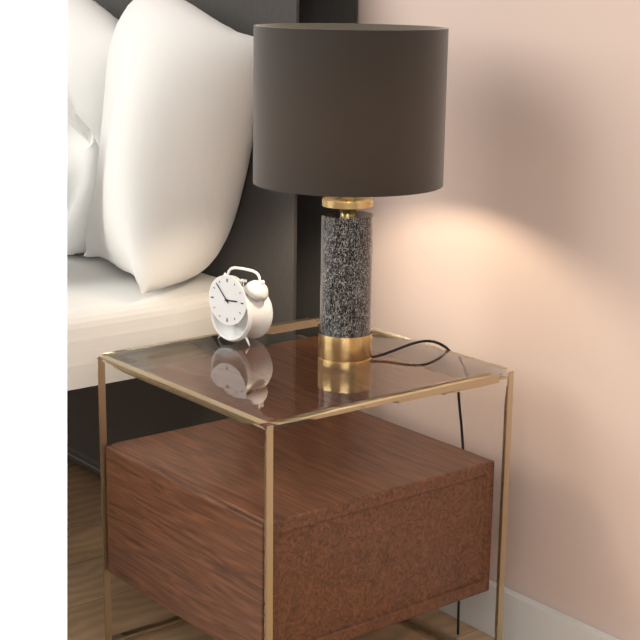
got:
2:53
